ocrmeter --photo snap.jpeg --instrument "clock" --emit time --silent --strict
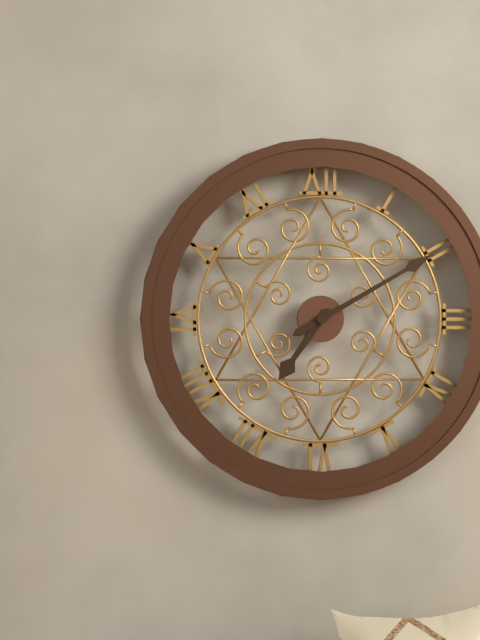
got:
7:10
